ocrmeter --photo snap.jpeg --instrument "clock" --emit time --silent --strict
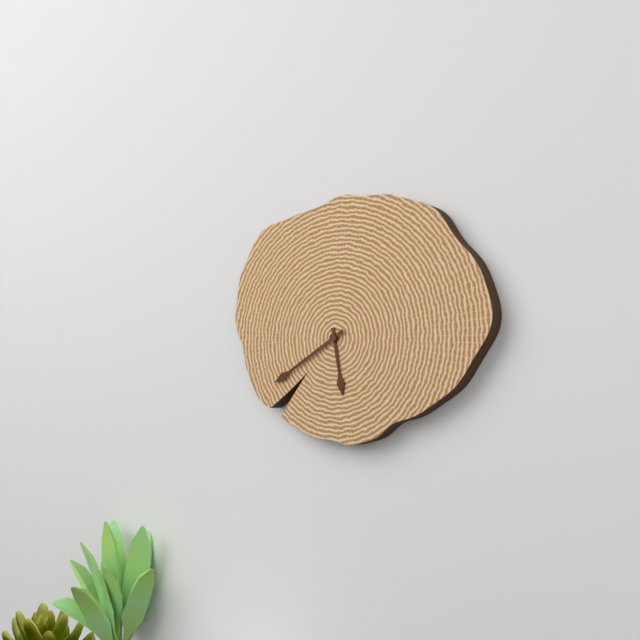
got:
5:40
